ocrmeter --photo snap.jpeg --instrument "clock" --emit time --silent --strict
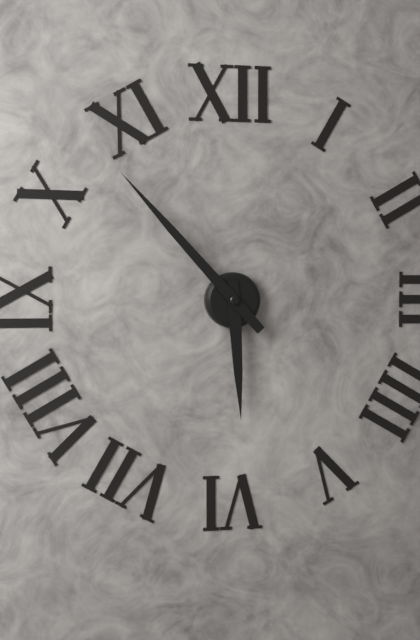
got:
5:53
